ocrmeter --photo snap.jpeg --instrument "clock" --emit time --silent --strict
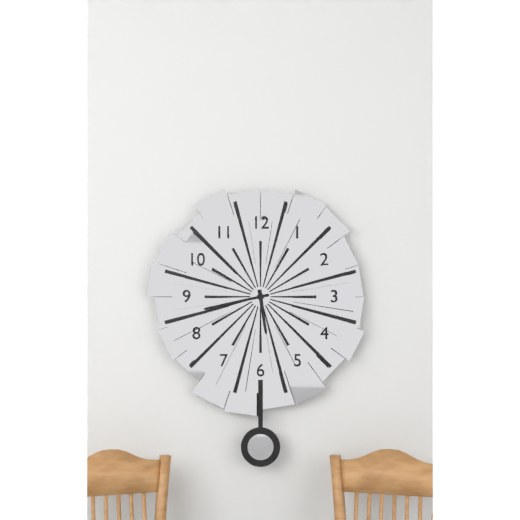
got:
5:43
